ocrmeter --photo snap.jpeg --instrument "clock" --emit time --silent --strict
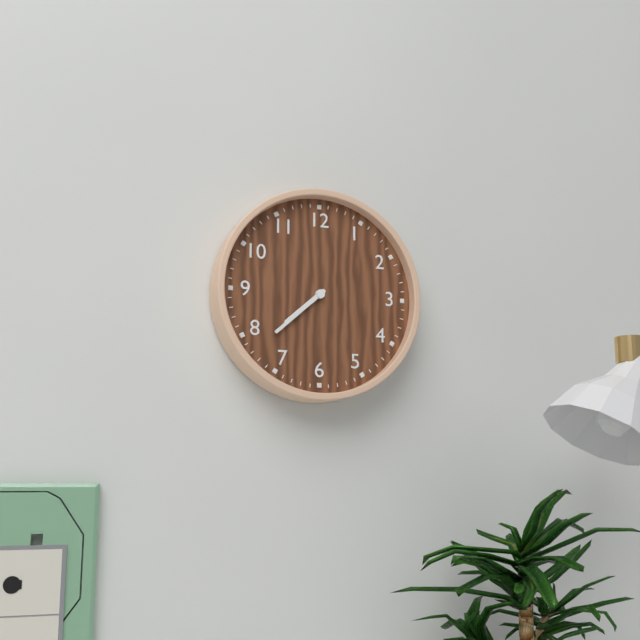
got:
7:38
